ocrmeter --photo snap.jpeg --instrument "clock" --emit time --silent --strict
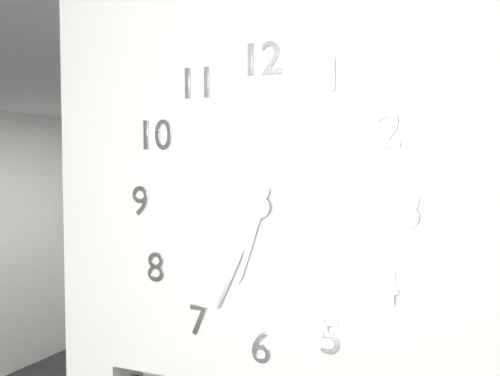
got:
6:34
